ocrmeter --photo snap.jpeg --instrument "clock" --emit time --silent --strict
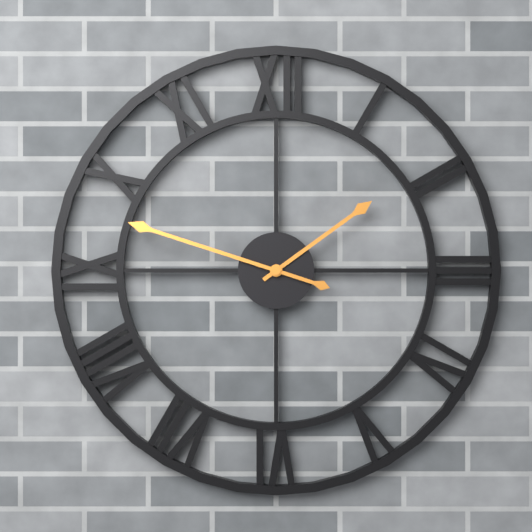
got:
1:48
